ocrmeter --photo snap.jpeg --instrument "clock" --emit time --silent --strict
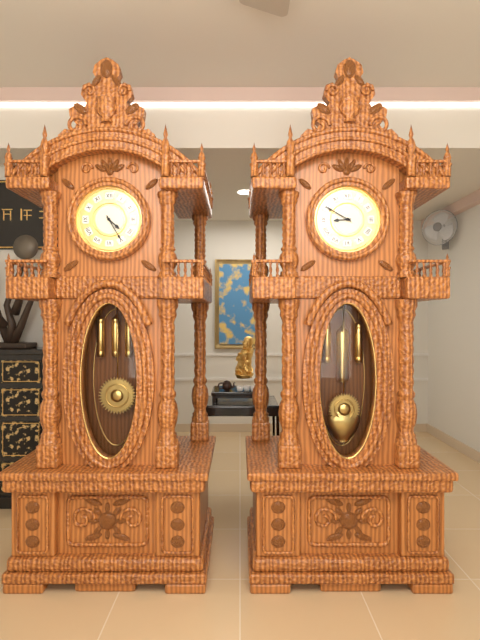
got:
4:25
